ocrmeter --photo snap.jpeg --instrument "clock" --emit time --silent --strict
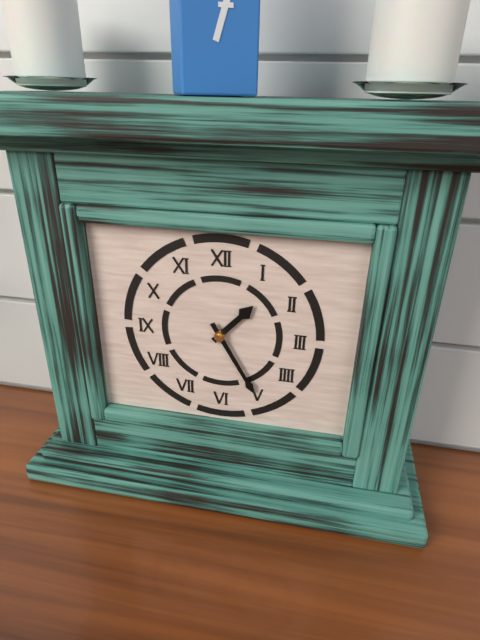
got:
1:25
